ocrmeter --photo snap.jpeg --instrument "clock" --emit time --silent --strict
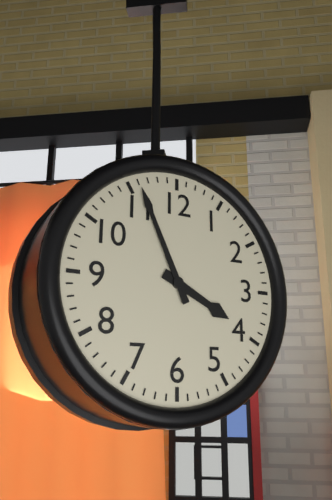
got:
3:56
